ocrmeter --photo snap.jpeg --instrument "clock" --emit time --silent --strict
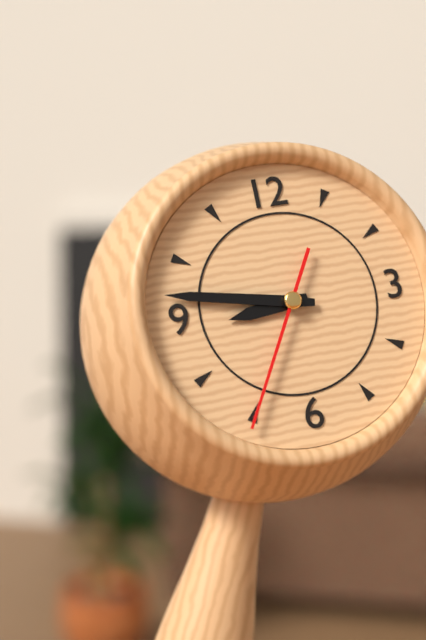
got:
8:47:35
